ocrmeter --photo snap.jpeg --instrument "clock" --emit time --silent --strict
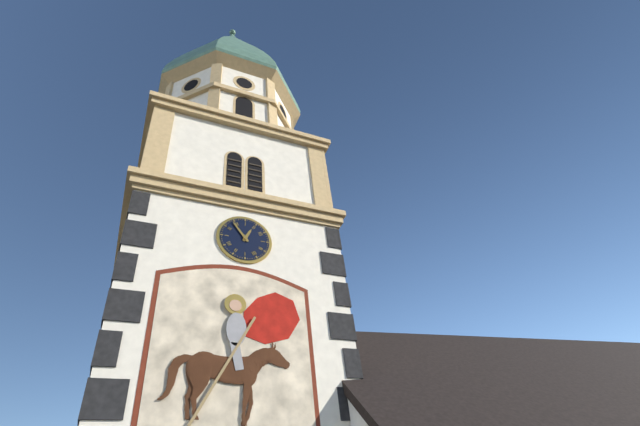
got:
12:54
